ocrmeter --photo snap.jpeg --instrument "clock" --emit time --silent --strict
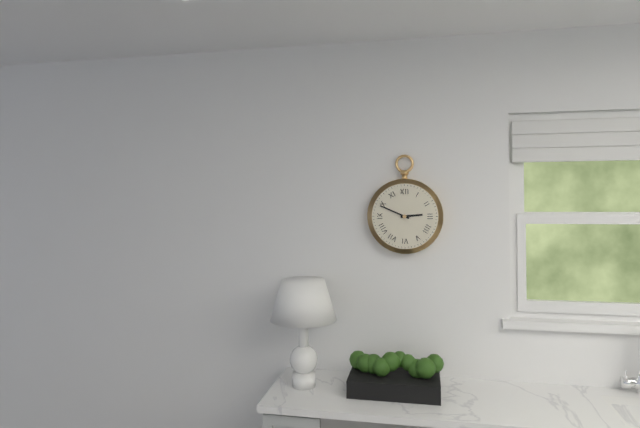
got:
2:49
